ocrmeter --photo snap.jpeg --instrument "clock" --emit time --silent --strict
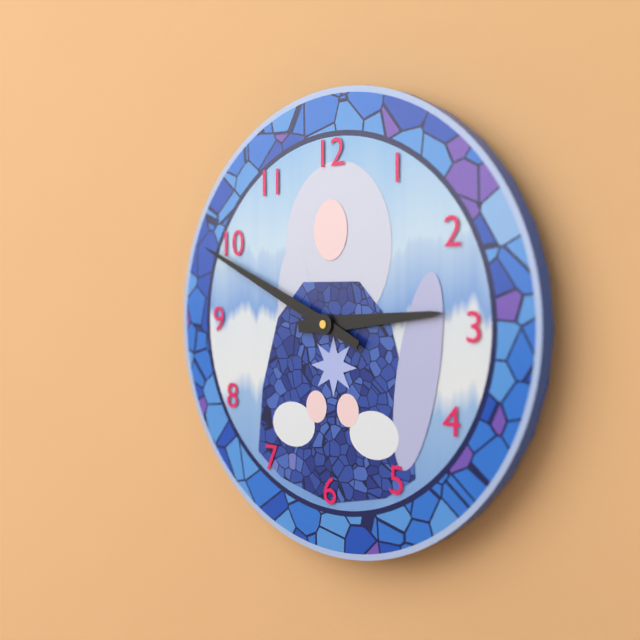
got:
2:49
